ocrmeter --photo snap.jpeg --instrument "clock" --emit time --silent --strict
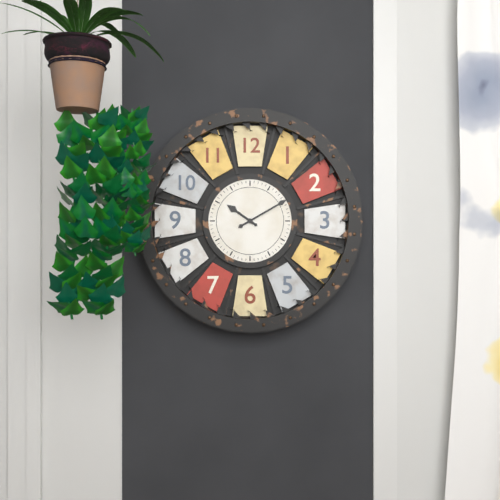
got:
10:10
